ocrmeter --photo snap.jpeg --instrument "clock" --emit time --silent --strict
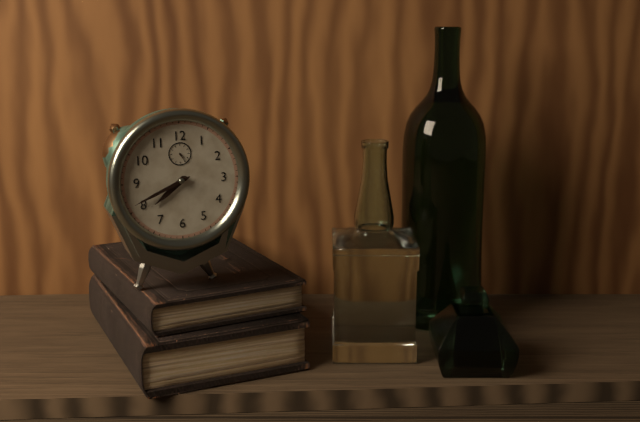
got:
7:41
